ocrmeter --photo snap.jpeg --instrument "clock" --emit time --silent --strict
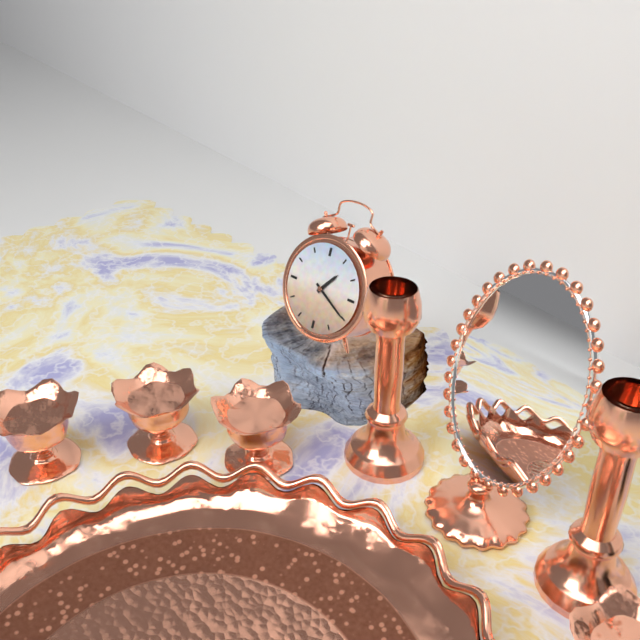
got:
1:20
